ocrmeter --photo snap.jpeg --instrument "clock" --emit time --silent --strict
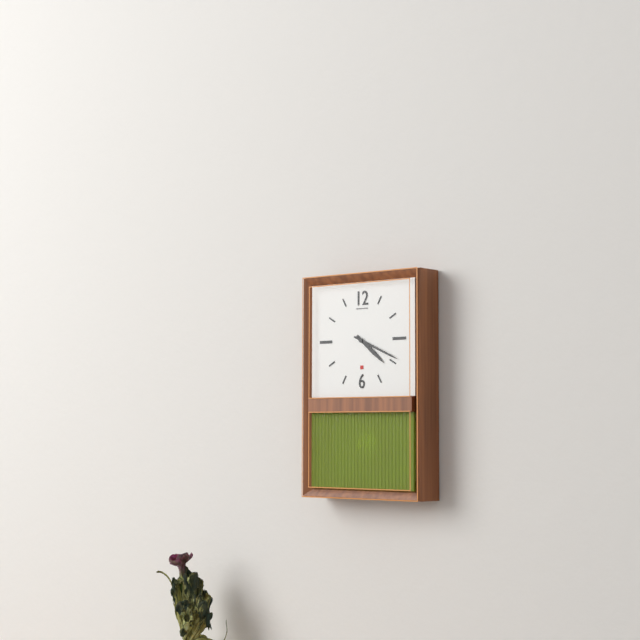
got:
4:19
